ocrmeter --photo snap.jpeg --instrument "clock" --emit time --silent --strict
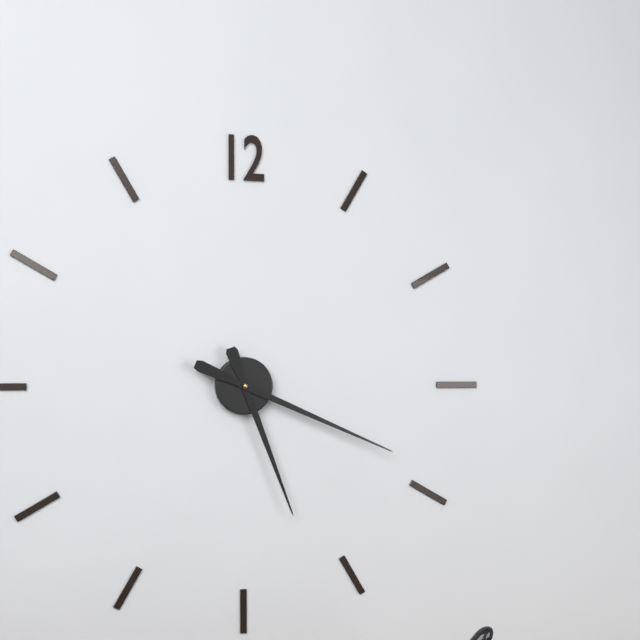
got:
5:19
